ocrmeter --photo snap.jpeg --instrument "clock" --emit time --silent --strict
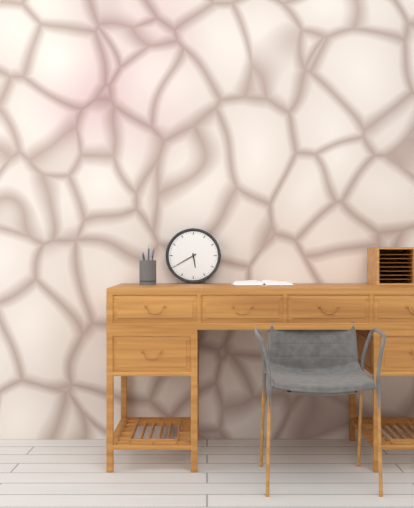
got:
5:40
